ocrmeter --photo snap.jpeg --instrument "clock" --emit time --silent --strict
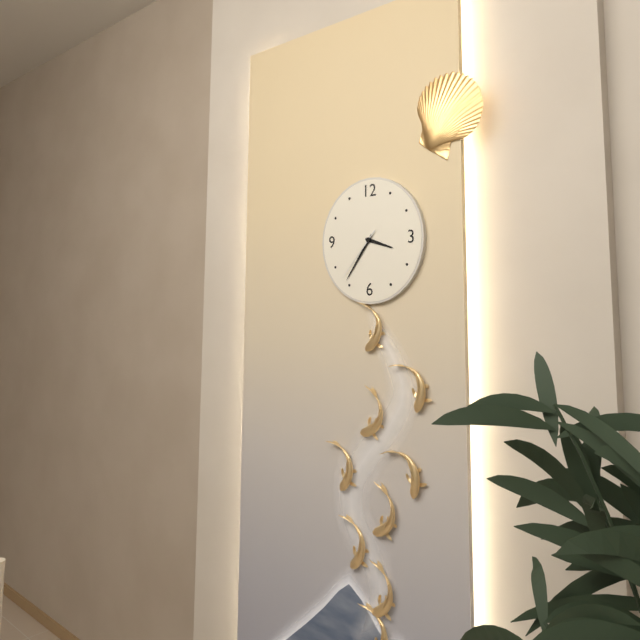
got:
3:36:37
